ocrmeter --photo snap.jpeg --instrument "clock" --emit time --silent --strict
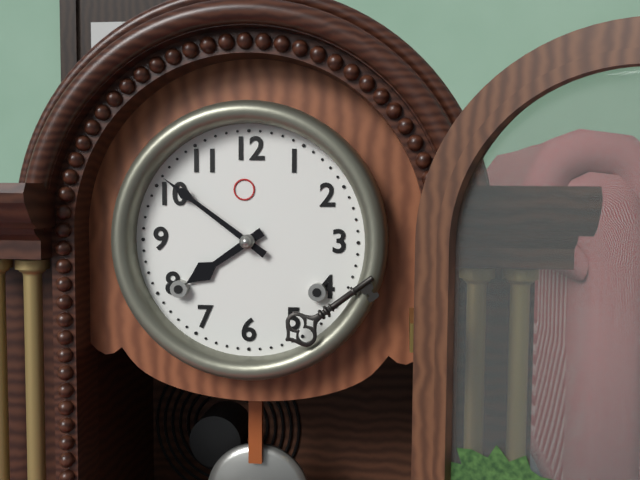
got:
7:51
